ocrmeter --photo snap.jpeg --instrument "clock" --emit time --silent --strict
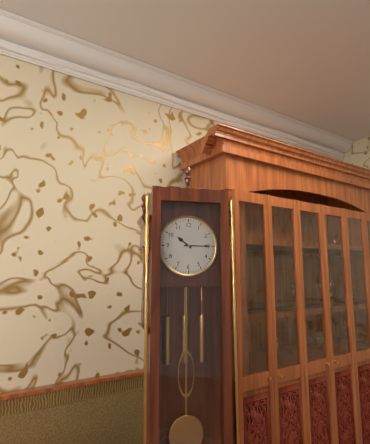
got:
10:15
